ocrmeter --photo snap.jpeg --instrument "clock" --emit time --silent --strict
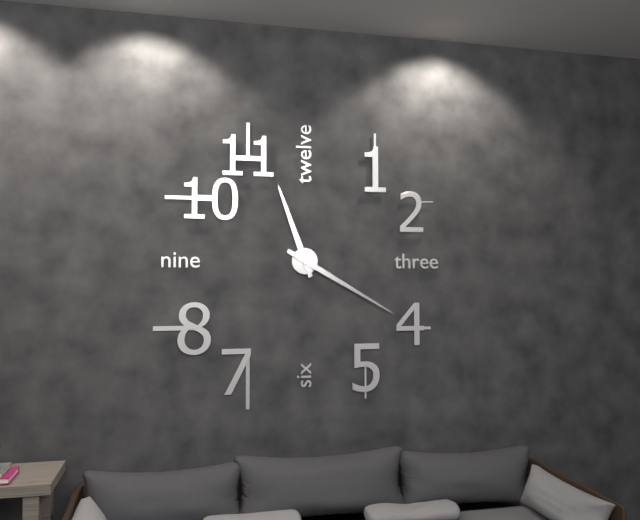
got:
11:20
